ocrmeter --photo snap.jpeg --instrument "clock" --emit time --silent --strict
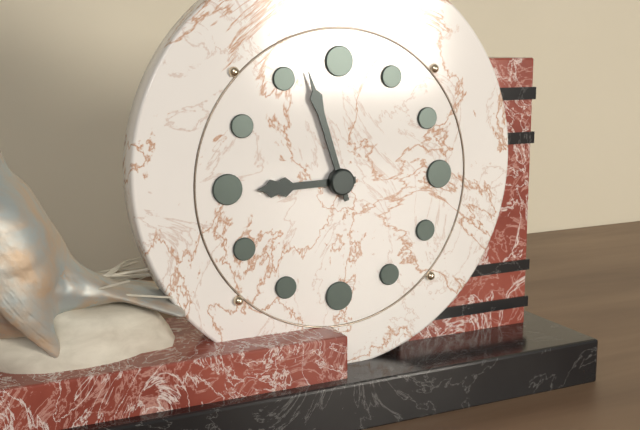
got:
8:57
